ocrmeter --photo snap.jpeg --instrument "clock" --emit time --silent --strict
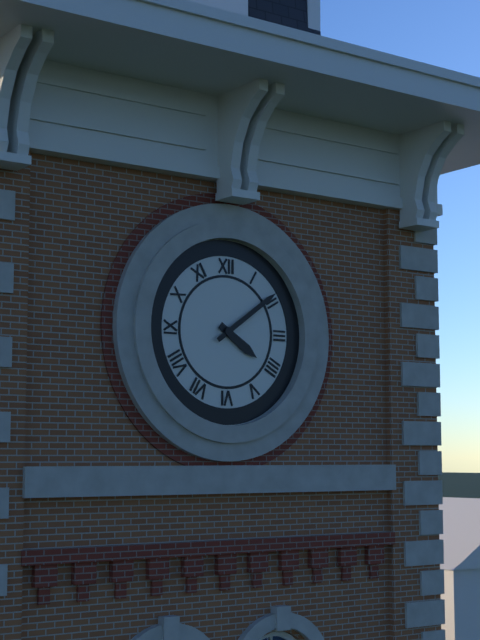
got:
4:09
